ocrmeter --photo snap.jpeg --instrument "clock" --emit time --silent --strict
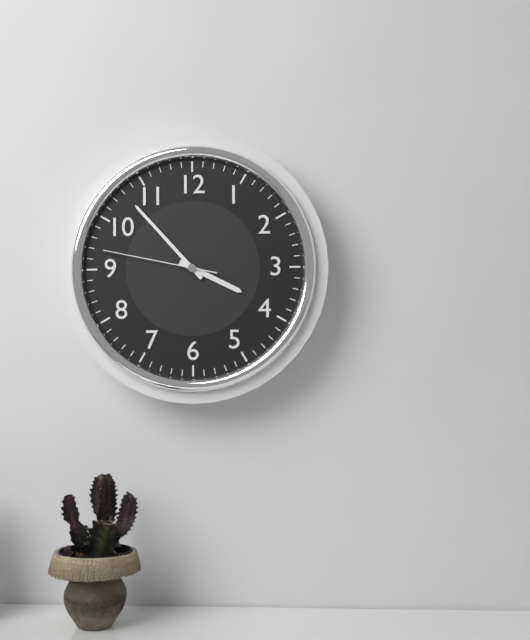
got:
3:53:47
